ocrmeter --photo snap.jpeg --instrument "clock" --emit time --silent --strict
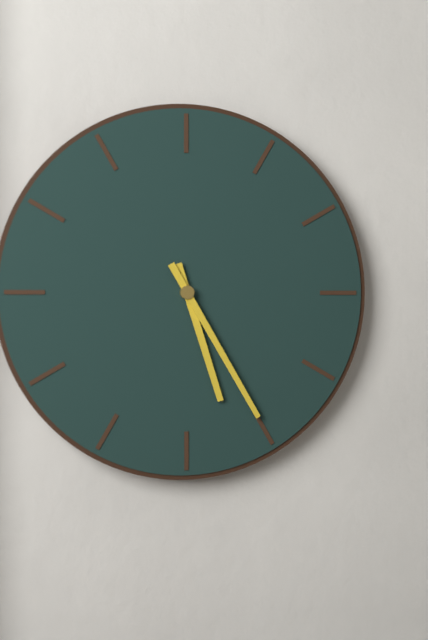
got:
5:25
